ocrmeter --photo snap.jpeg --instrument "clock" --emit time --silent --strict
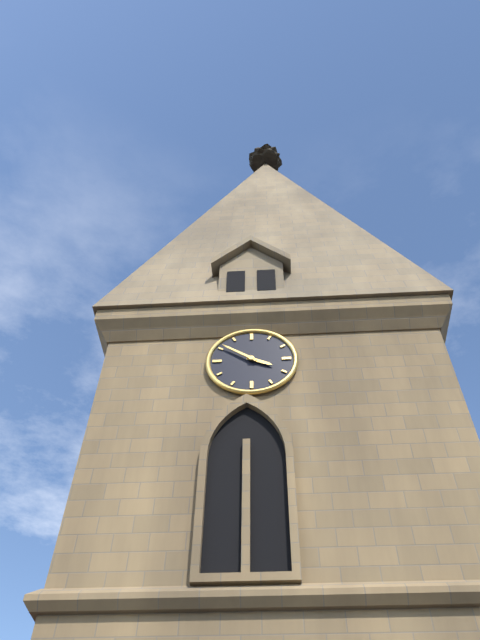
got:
3:51
